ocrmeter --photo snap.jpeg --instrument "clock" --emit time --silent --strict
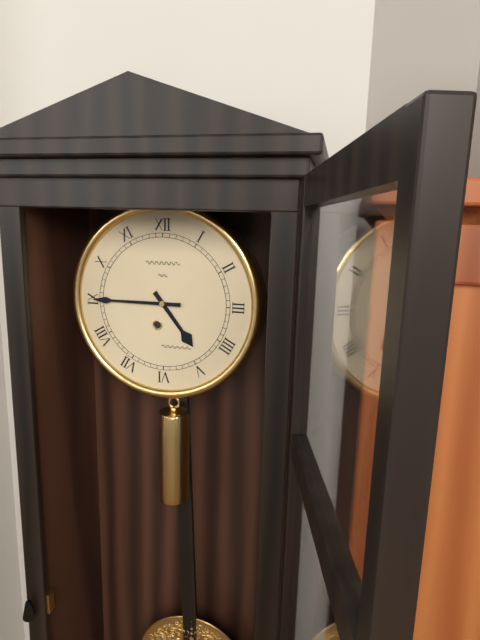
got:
4:45
